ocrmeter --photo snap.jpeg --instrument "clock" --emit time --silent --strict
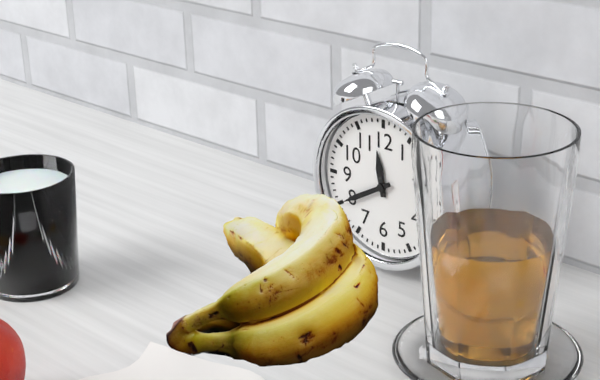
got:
11:40
